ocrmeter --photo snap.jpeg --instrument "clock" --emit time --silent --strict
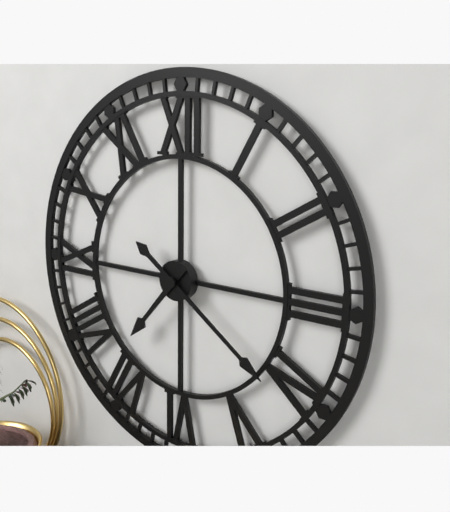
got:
7:21
